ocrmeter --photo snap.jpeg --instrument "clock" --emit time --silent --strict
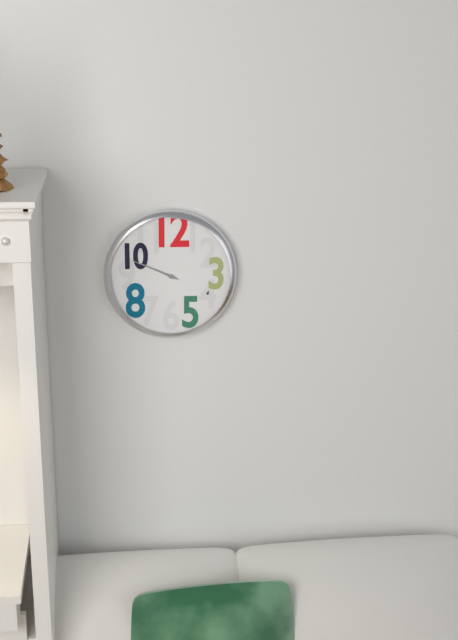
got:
9:49
